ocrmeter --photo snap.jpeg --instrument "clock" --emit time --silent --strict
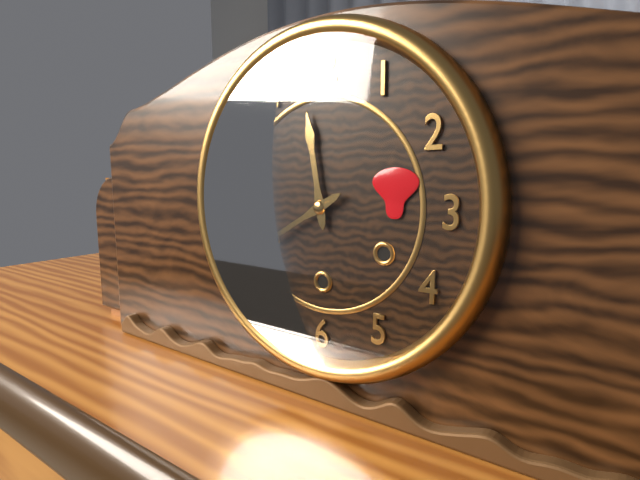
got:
11:40
